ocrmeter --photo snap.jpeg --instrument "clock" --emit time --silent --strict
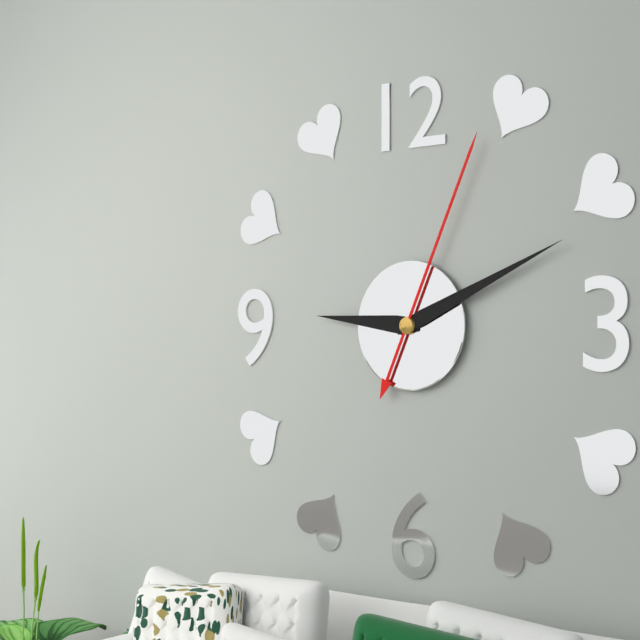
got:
9:11:04
